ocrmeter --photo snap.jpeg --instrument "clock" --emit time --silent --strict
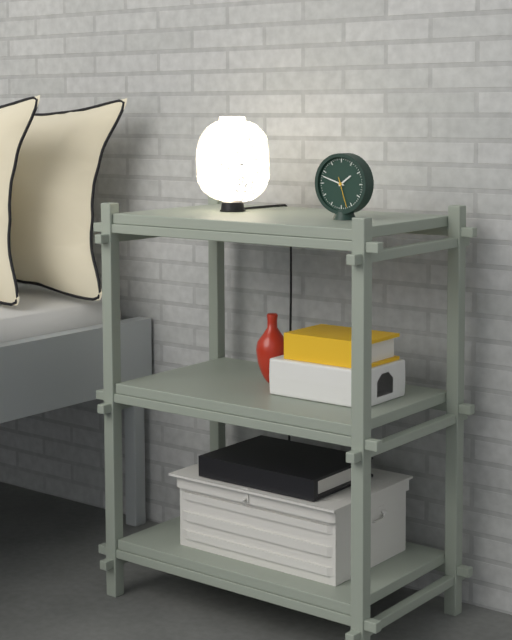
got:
1:48
